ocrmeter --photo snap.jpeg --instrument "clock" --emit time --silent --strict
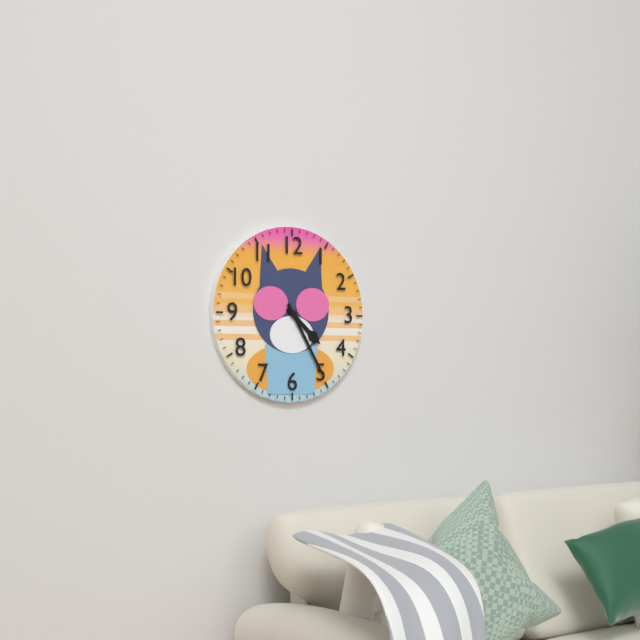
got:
4:25
